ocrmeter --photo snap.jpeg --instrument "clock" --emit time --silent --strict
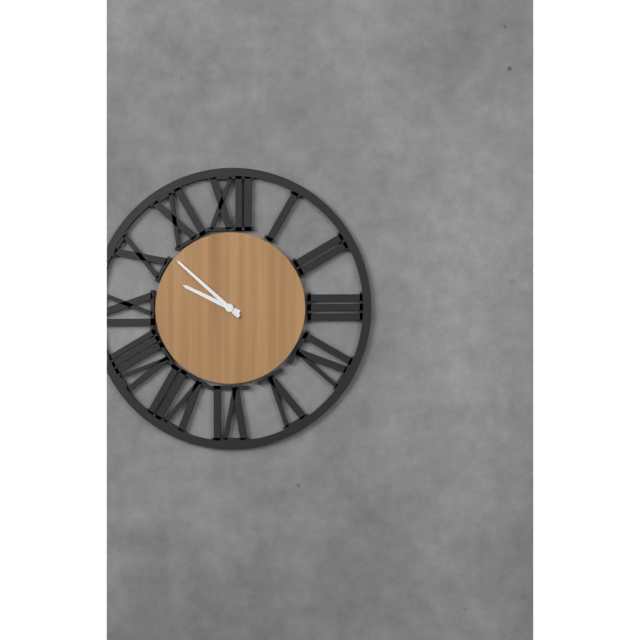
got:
9:52
